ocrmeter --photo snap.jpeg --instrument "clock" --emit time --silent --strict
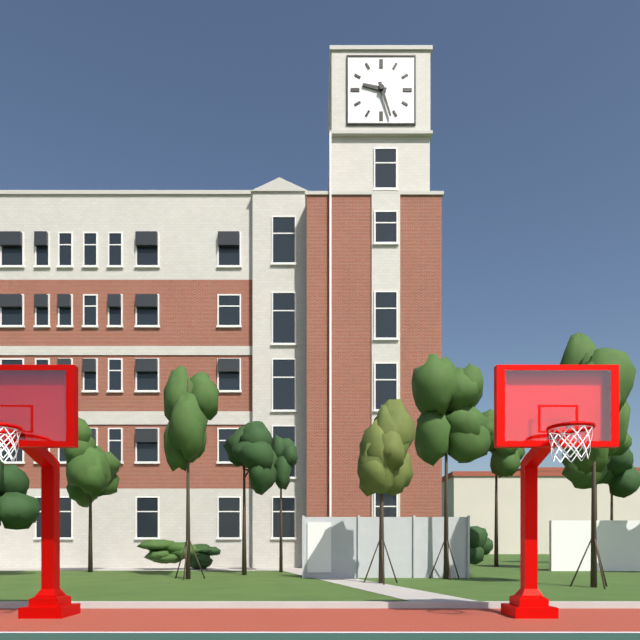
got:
9:27
